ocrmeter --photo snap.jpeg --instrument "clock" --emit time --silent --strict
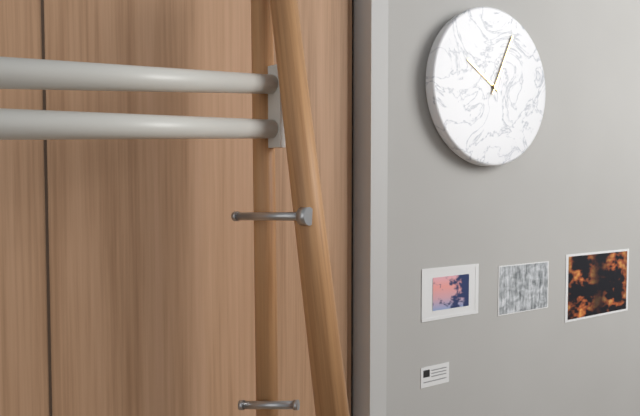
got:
10:04
